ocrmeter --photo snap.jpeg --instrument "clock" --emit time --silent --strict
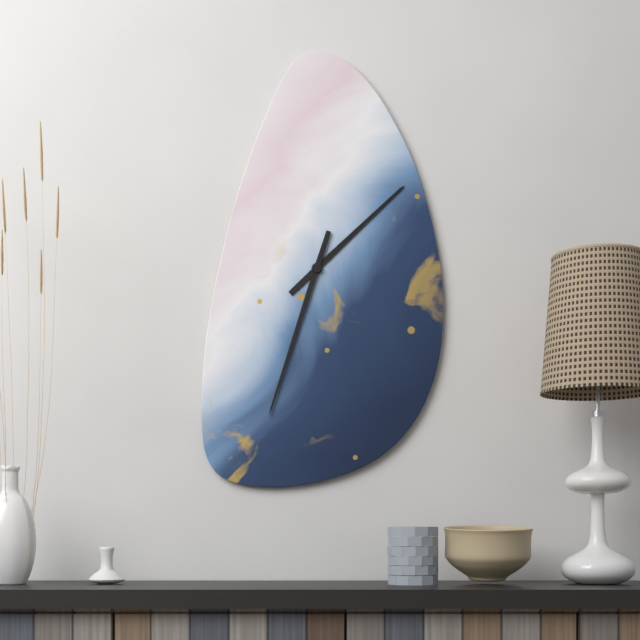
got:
1:33
